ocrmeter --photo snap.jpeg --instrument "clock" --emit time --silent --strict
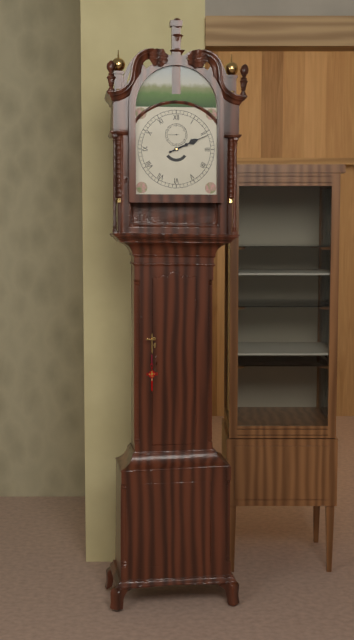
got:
2:11
